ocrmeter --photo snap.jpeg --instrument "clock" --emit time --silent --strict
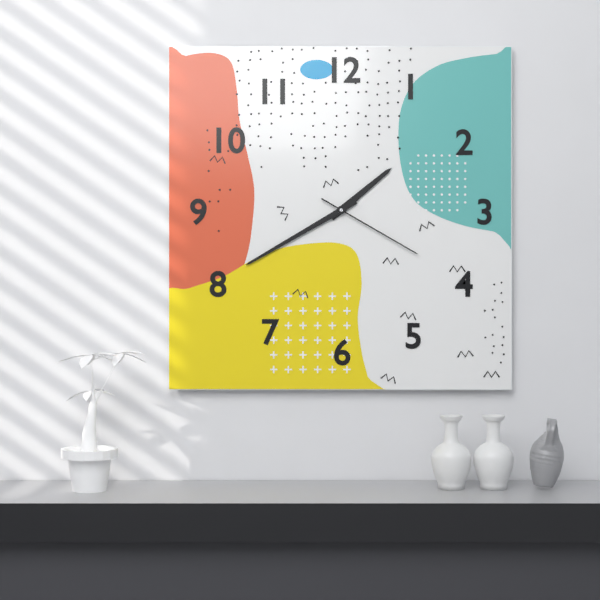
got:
1:40:20
